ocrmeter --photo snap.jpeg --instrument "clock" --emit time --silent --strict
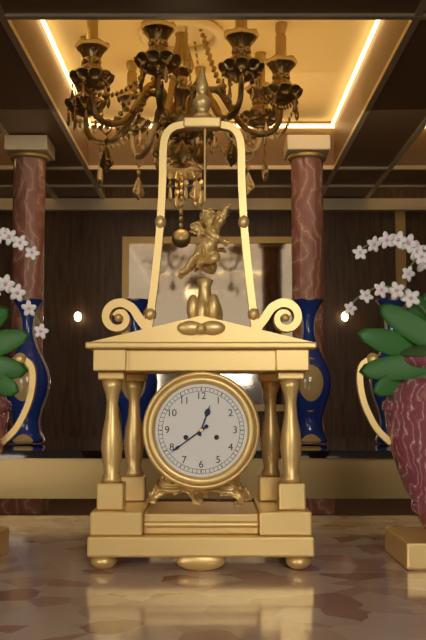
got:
12:39
